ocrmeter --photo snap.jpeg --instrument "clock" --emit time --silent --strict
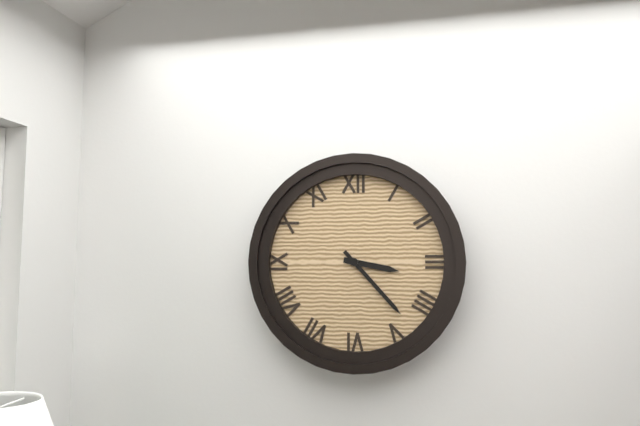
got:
3:23
